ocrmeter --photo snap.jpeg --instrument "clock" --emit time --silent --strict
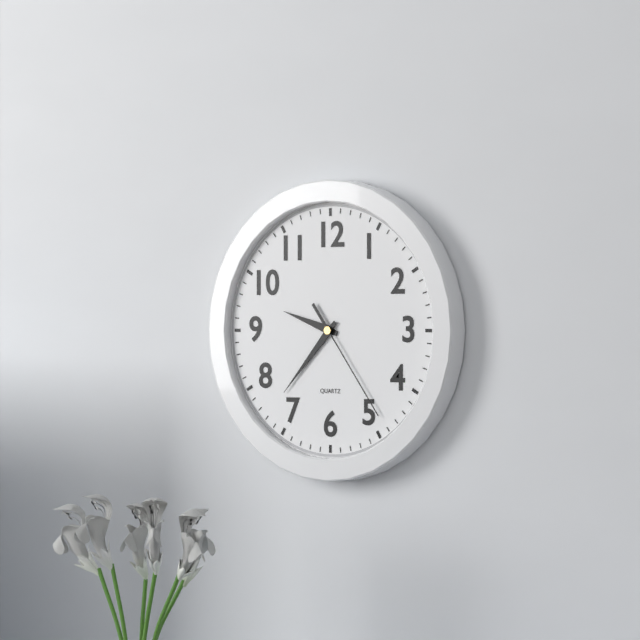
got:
9:37:24
